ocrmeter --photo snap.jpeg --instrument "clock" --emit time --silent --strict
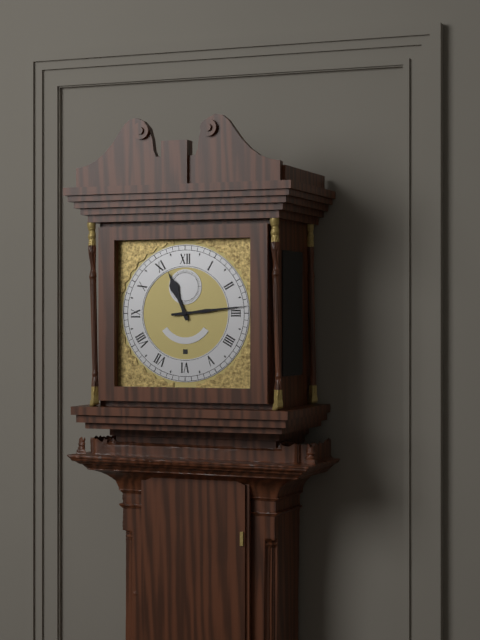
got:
11:14
